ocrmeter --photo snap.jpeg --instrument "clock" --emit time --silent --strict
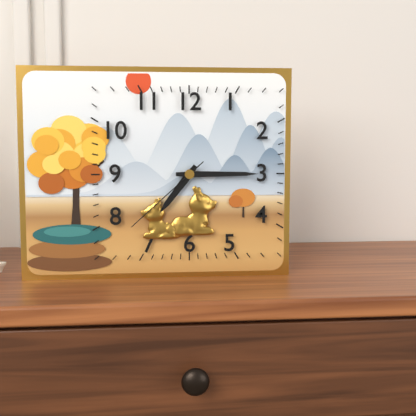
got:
7:15:38
